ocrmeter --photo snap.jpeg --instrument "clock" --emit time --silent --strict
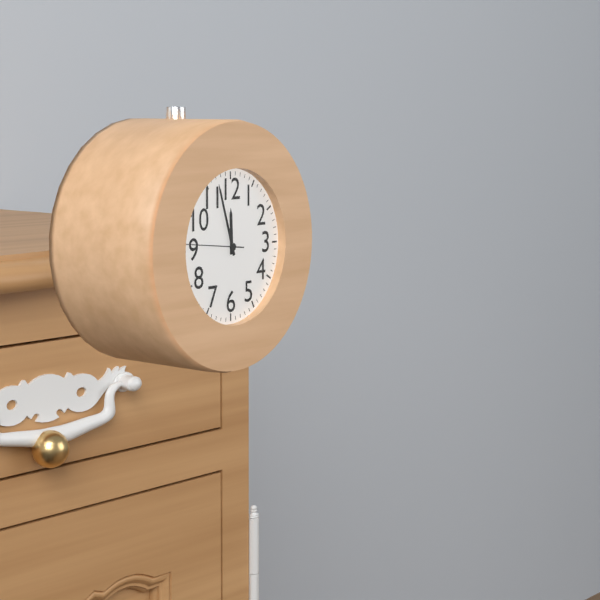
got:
11:57:46
